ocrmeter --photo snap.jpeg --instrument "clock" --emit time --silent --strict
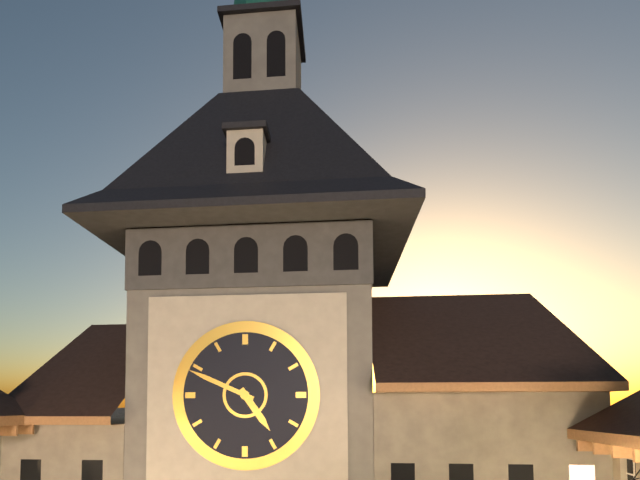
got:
4:49
